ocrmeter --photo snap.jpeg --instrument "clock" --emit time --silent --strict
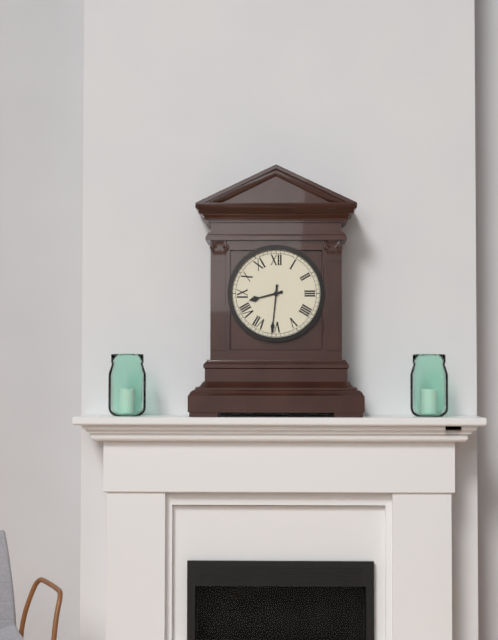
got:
8:31
